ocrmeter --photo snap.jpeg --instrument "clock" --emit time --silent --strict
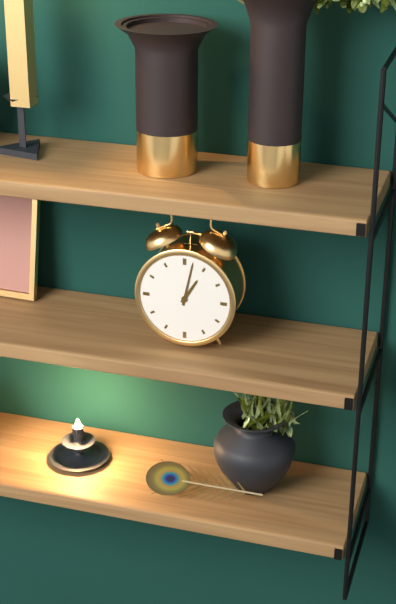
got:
1:02
